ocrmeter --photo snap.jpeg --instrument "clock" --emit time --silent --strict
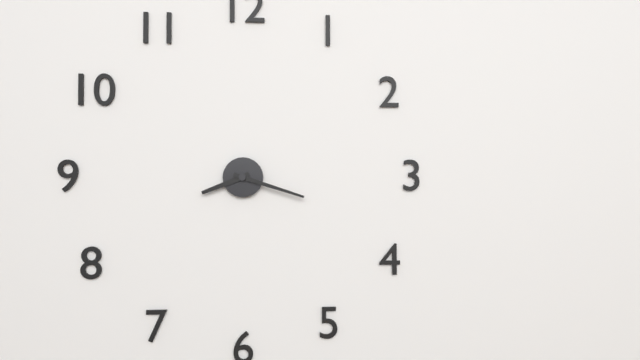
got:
8:18
